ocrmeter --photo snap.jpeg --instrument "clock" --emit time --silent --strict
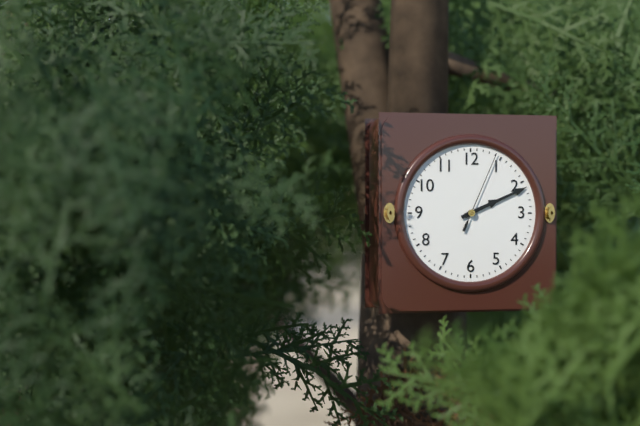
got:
2:11:04
